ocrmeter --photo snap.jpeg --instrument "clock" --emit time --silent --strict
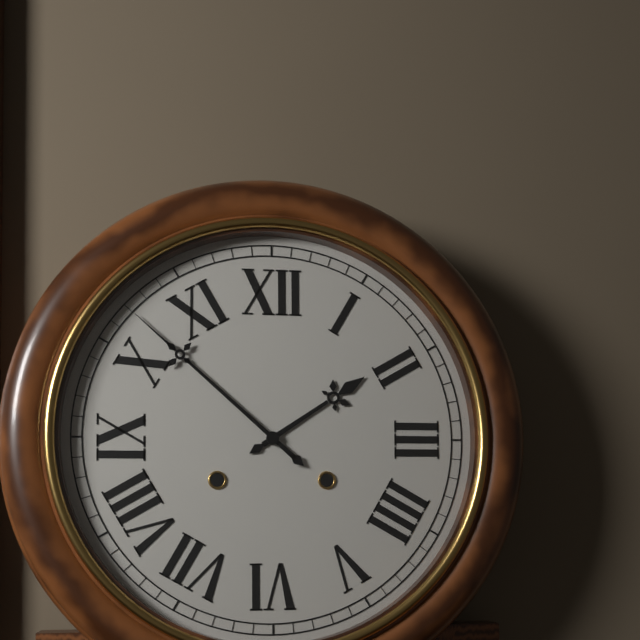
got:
1:52
